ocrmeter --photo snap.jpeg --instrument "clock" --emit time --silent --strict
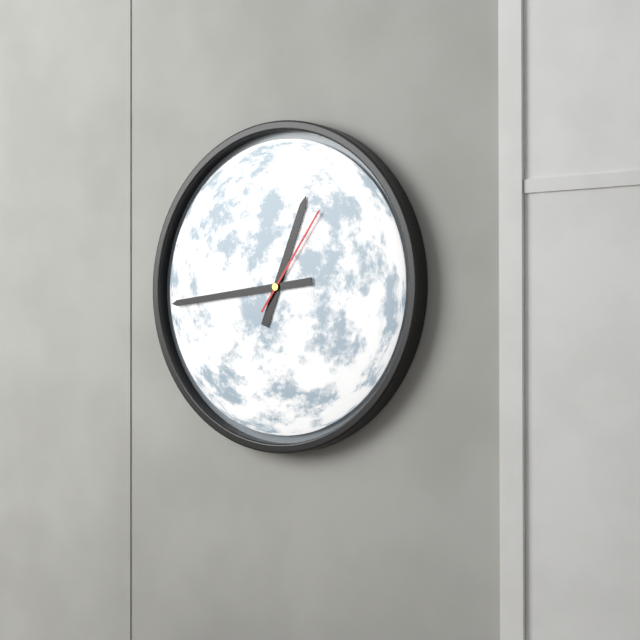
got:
12:44:06
